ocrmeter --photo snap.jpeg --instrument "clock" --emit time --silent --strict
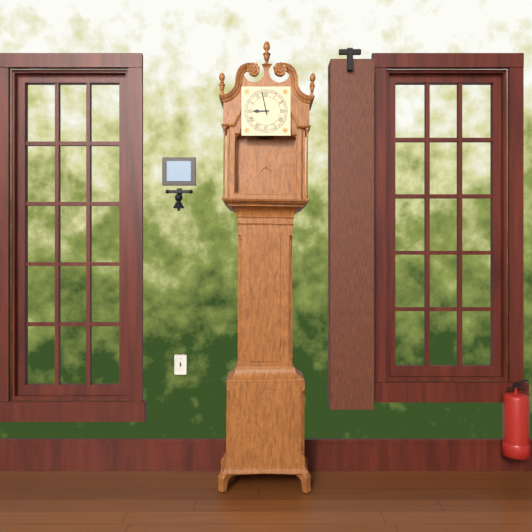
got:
8:58
